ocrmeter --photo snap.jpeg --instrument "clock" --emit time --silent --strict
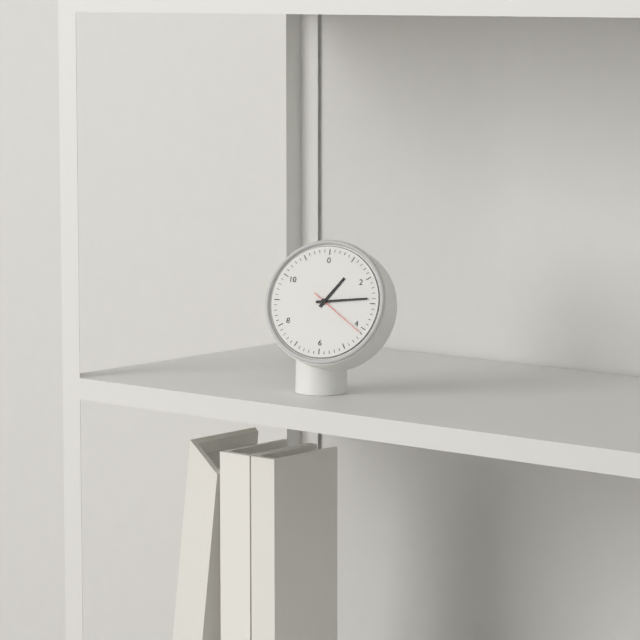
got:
1:14:21
